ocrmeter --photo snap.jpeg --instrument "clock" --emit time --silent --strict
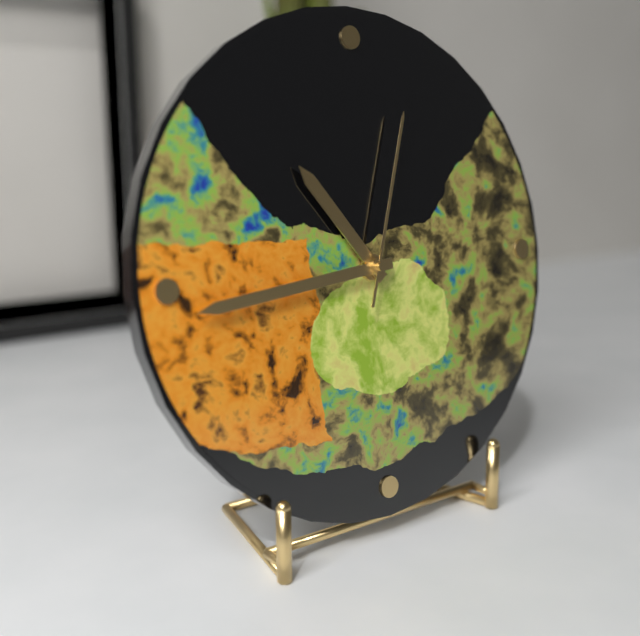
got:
10:44:03
